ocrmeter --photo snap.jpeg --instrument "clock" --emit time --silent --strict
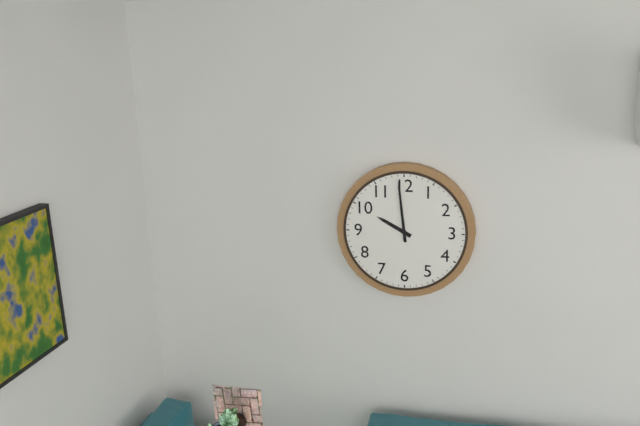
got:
9:59
